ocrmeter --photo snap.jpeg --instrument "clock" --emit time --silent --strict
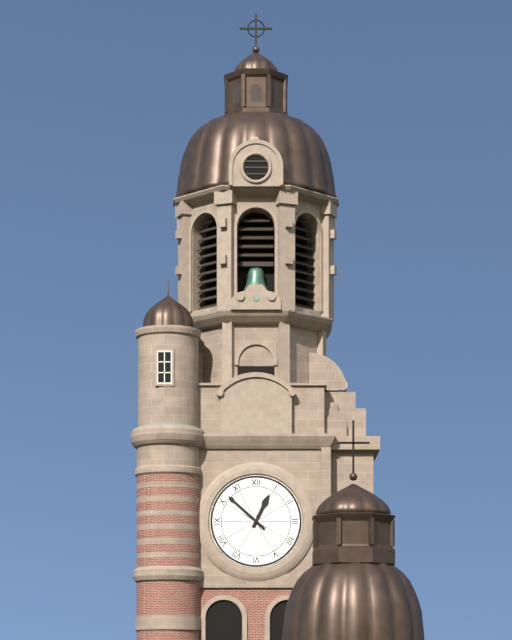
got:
12:52
